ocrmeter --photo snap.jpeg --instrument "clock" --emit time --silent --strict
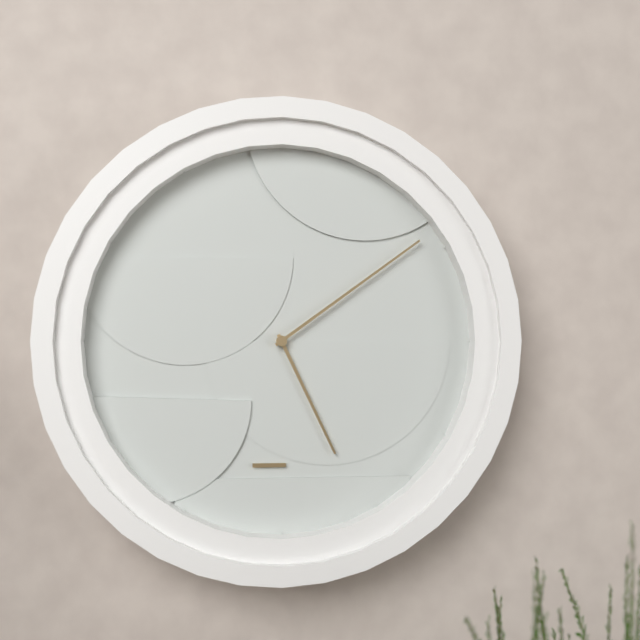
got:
5:09
